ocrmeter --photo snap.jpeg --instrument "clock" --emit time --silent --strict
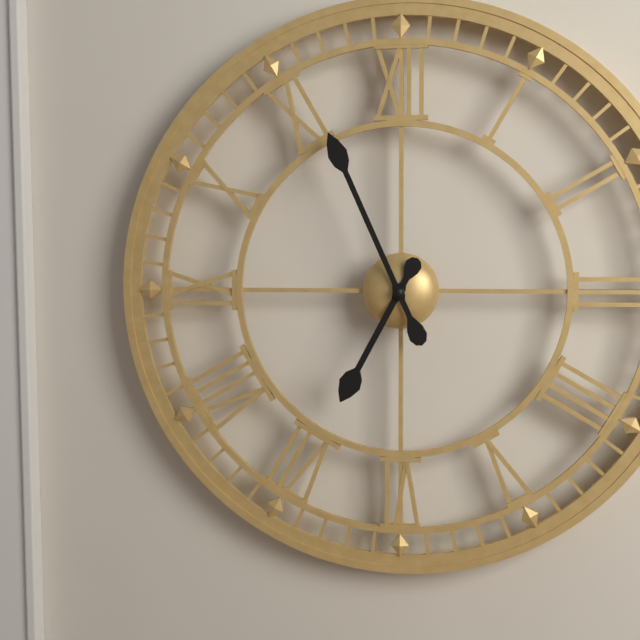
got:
6:56
